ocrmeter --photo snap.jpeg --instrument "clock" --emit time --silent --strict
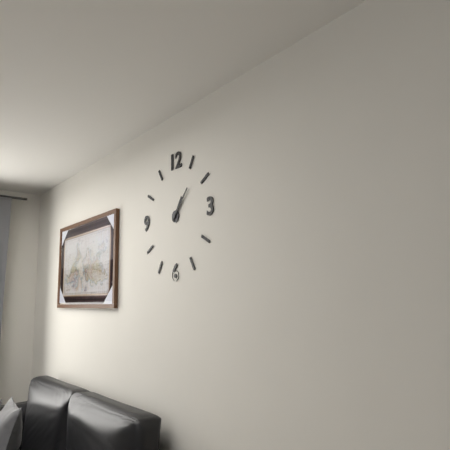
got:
1:07
